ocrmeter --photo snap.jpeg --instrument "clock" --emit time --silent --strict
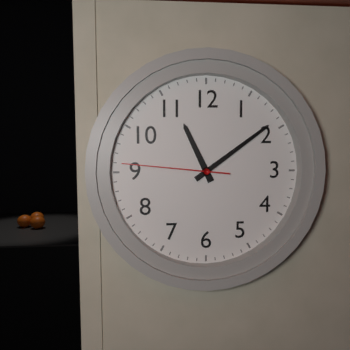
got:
11:09:46
